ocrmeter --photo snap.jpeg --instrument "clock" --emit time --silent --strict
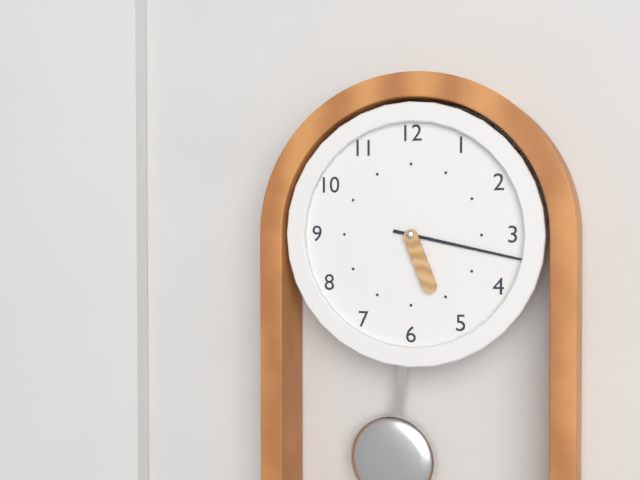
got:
5:17
